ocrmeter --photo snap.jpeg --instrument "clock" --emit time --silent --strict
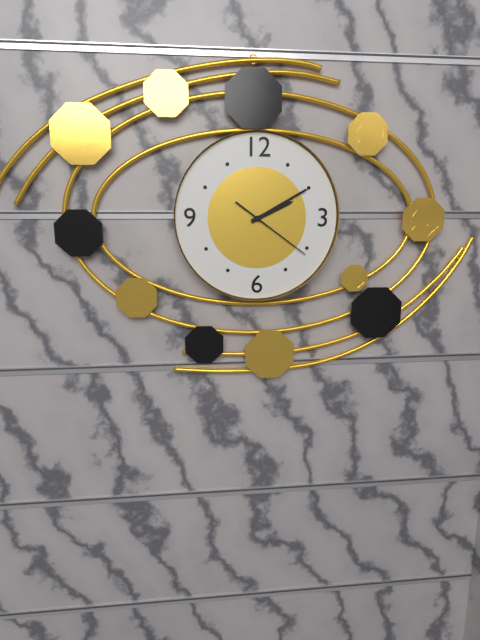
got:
2:10:21
